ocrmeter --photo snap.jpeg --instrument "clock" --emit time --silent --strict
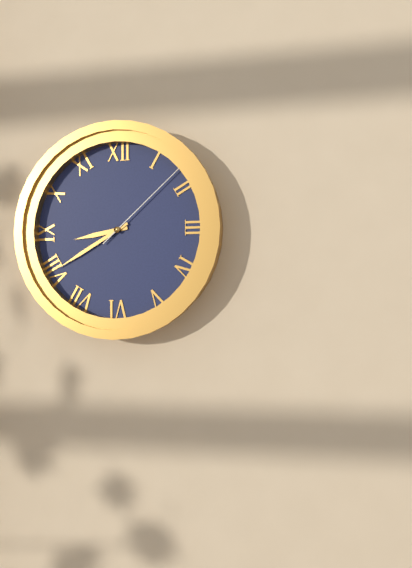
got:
8:40:08
